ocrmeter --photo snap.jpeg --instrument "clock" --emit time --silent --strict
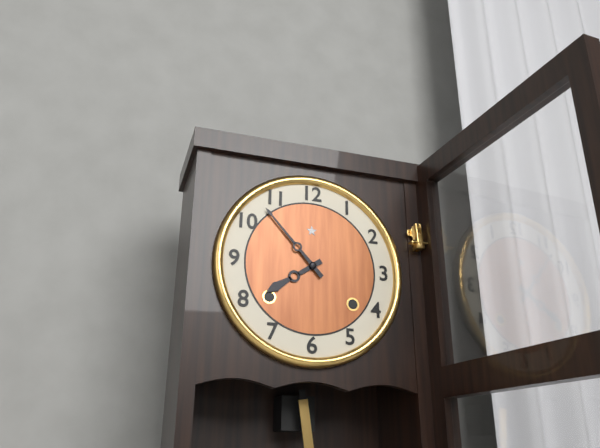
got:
7:53
